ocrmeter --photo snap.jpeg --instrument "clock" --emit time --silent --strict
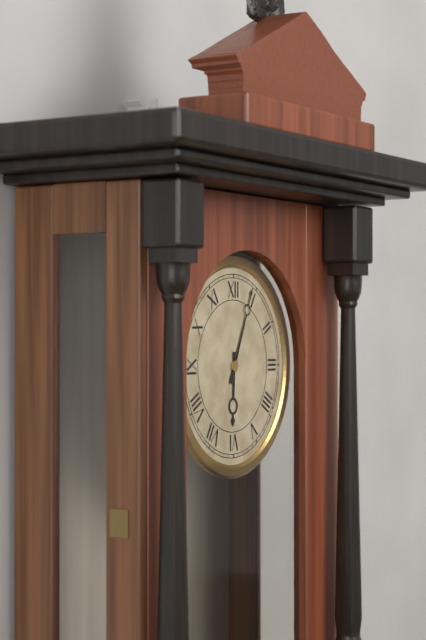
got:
6:04
